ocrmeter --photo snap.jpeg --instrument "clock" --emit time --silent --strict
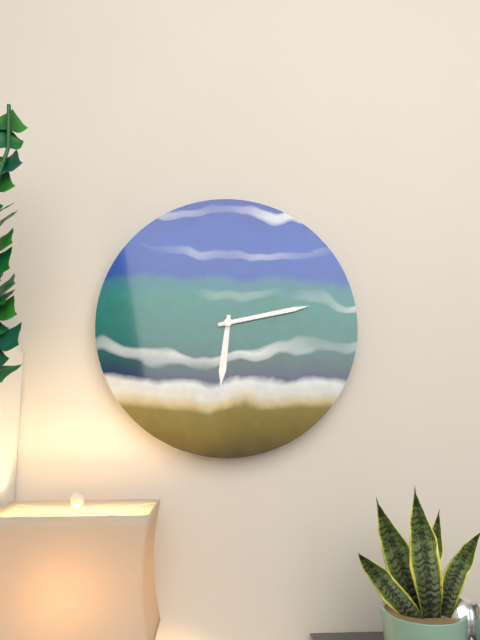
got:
6:13
